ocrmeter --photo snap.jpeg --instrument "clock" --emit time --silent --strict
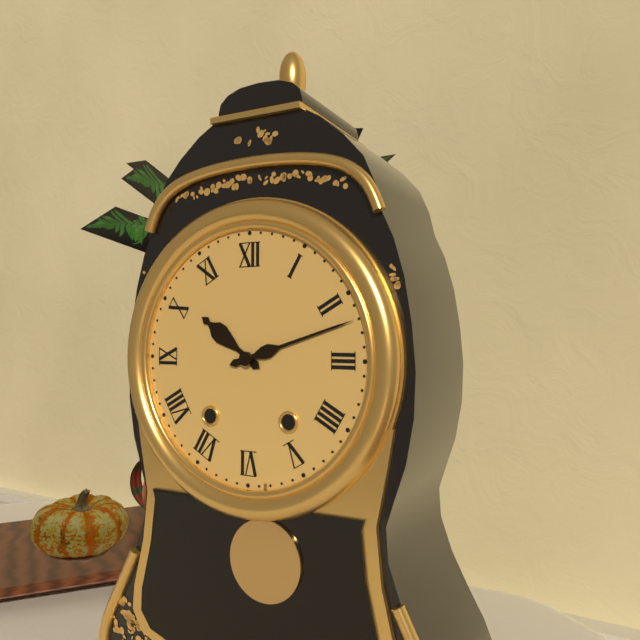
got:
10:12
